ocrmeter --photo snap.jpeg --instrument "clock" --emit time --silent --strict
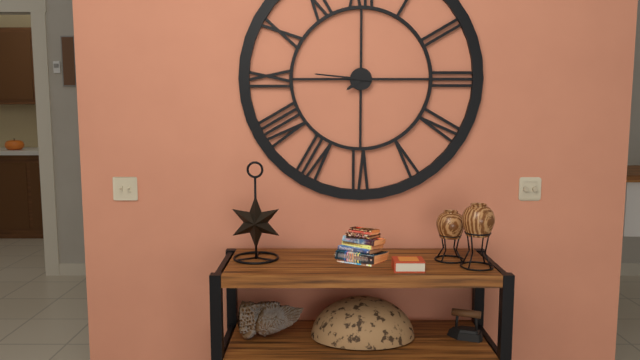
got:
7:46
